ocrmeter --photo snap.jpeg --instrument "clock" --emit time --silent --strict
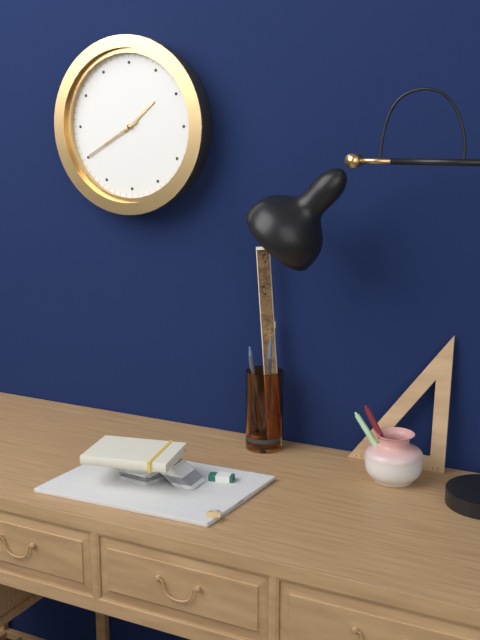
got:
1:40
